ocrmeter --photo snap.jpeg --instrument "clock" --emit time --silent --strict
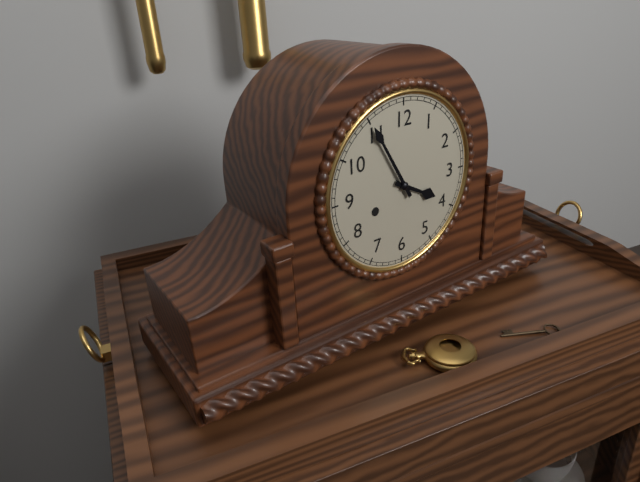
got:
3:55
